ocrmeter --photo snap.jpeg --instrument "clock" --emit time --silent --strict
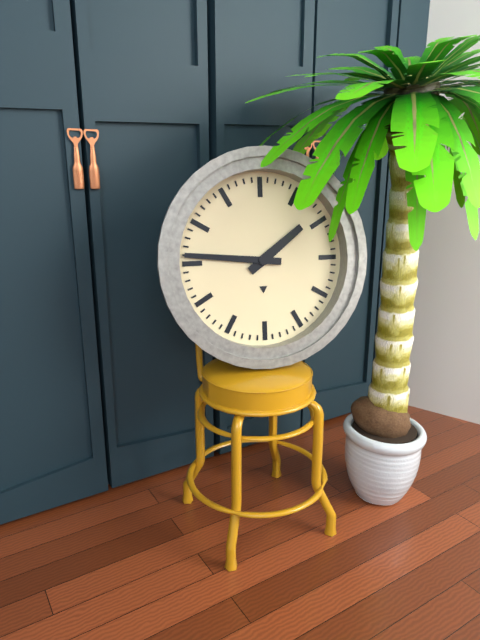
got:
1:46
